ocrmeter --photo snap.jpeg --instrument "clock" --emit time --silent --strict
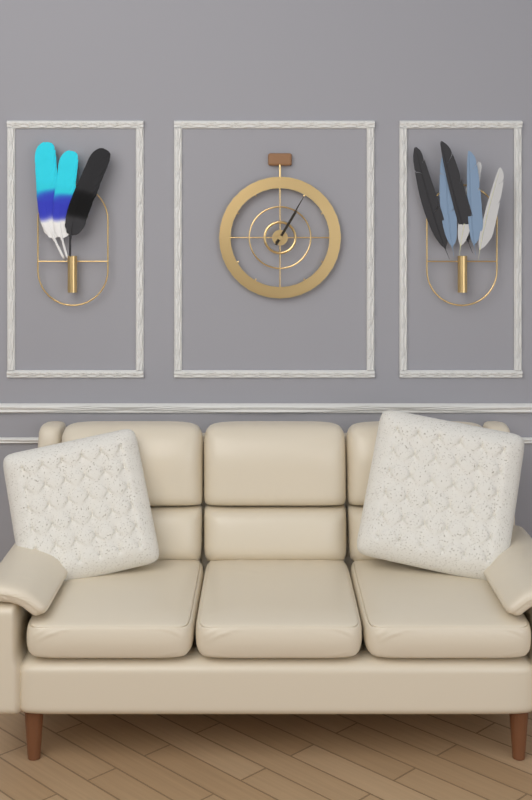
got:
1:05
